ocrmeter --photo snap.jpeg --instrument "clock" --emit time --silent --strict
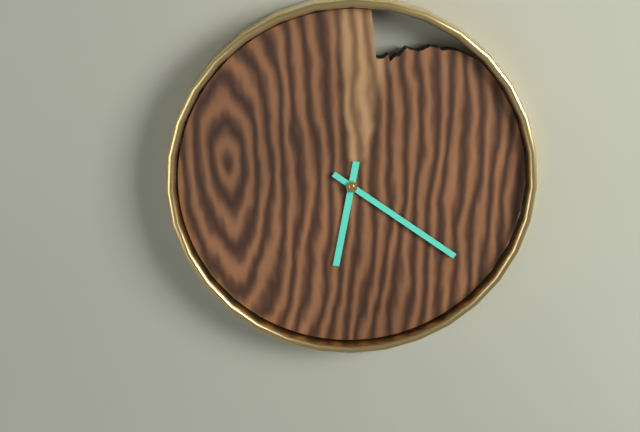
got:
6:21
